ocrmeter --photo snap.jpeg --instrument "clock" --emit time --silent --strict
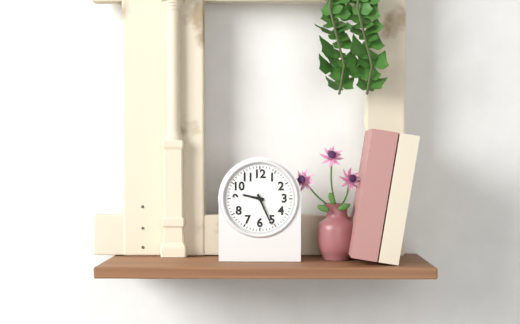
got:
9:26
